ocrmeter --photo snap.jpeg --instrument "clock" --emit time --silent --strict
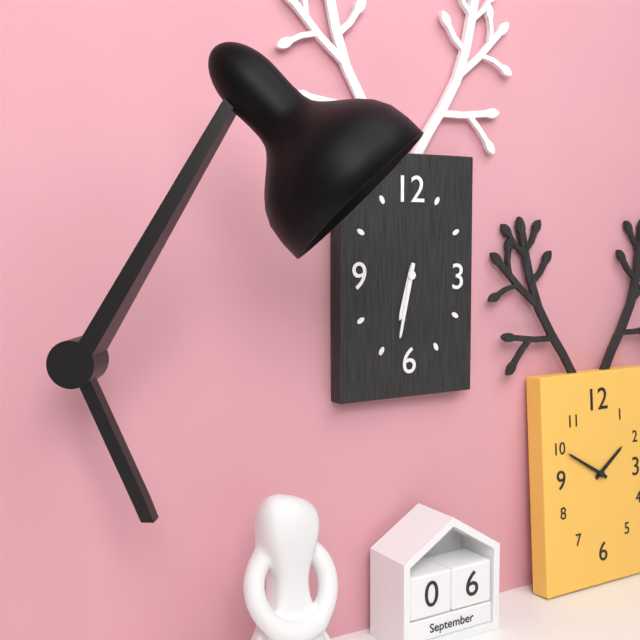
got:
6:32
